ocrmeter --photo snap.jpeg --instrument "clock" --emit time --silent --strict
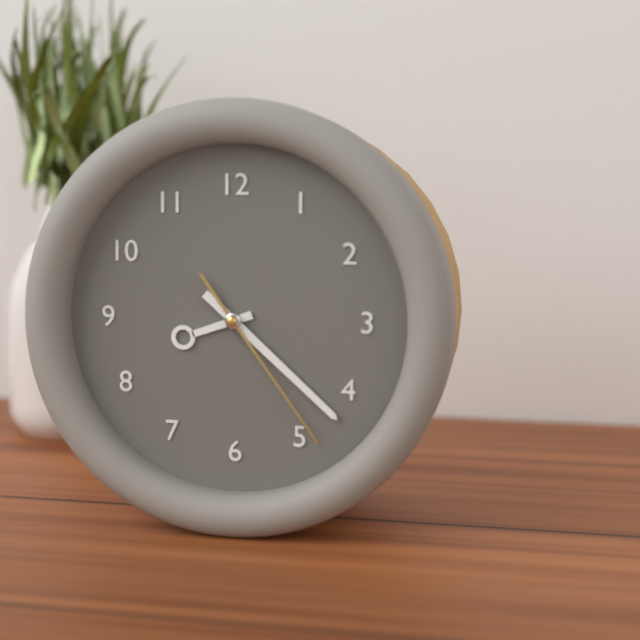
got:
8:22:24
